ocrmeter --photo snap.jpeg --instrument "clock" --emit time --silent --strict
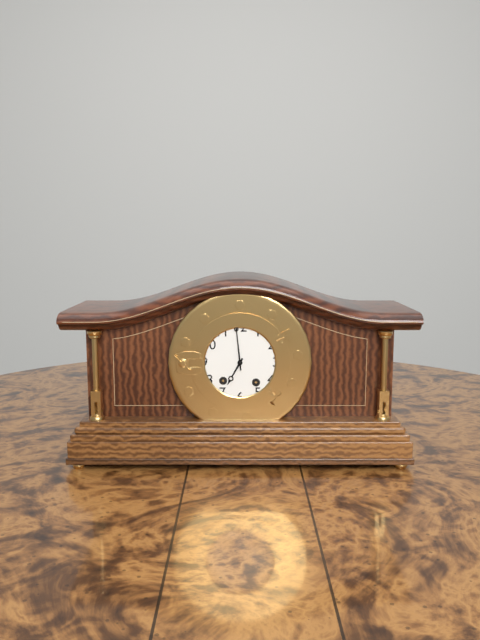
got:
6:59
